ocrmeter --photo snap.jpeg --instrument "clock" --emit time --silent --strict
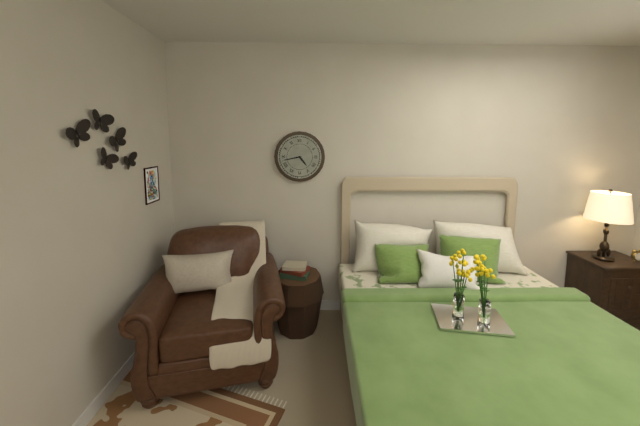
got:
4:43
